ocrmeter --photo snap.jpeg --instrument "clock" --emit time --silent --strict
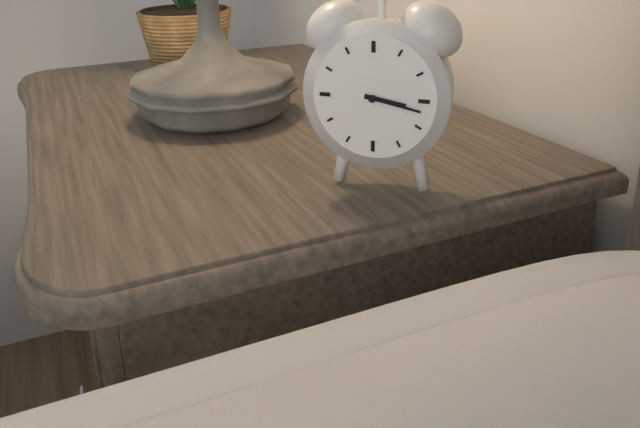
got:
3:17
